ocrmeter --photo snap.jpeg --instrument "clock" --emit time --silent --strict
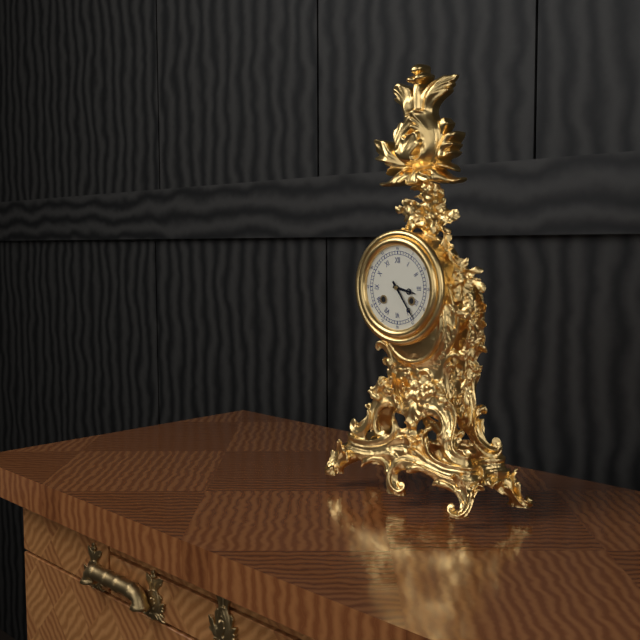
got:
3:24
